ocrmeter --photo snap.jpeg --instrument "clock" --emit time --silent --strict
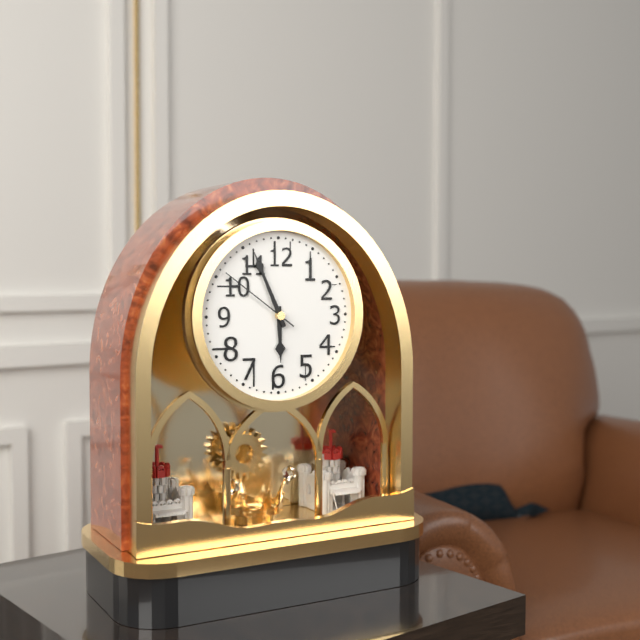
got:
5:56:51
